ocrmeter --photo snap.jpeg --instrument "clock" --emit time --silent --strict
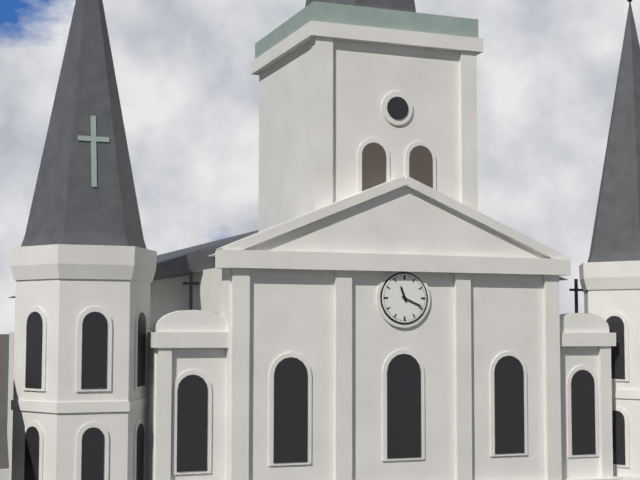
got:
11:19
